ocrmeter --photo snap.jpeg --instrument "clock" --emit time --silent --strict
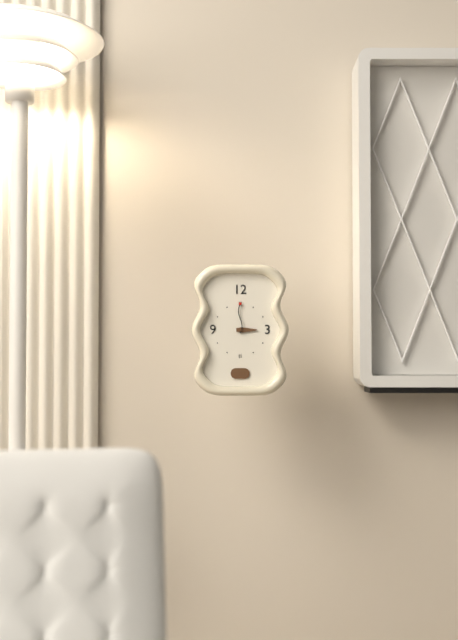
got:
3:00
